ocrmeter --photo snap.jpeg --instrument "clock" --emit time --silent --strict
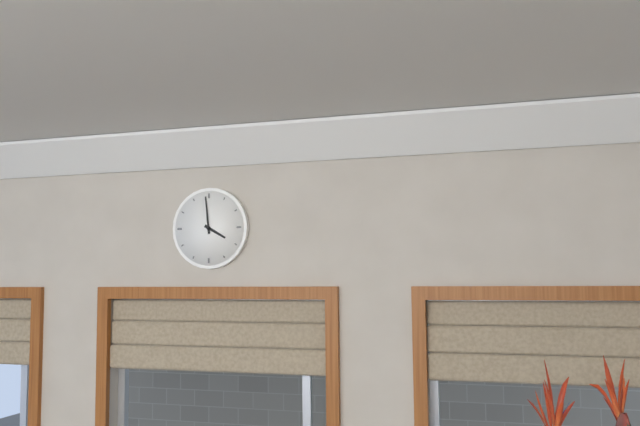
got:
3:59
